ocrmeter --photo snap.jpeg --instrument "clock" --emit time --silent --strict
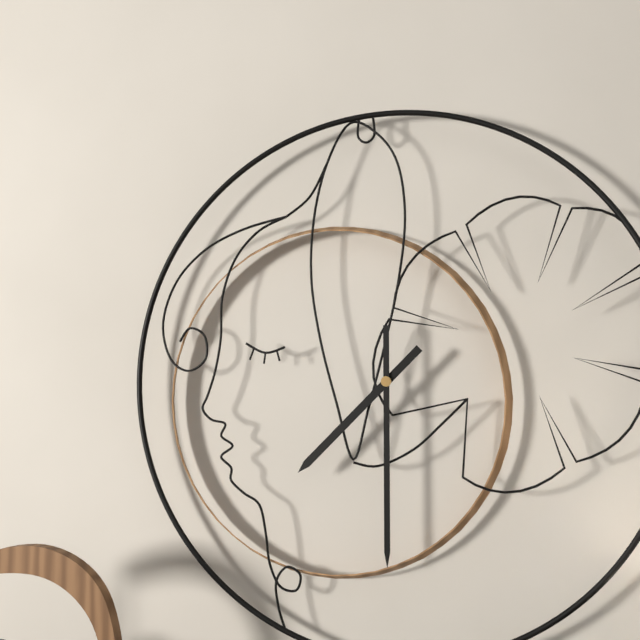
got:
7:30
